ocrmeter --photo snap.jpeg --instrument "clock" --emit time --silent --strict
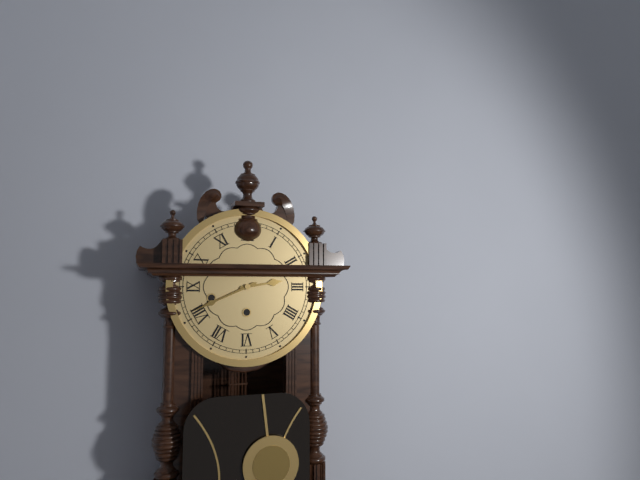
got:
2:41
